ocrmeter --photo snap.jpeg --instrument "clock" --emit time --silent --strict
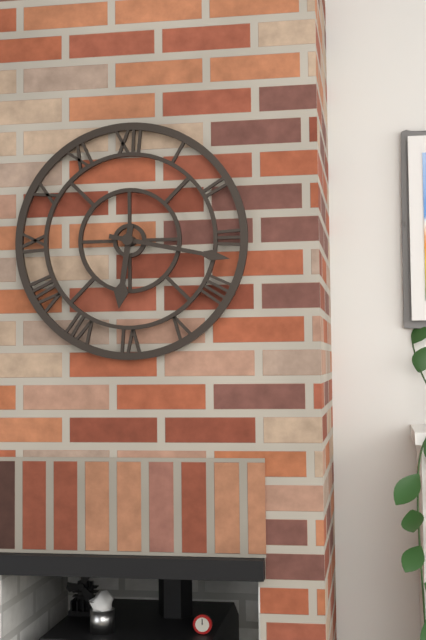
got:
6:17
